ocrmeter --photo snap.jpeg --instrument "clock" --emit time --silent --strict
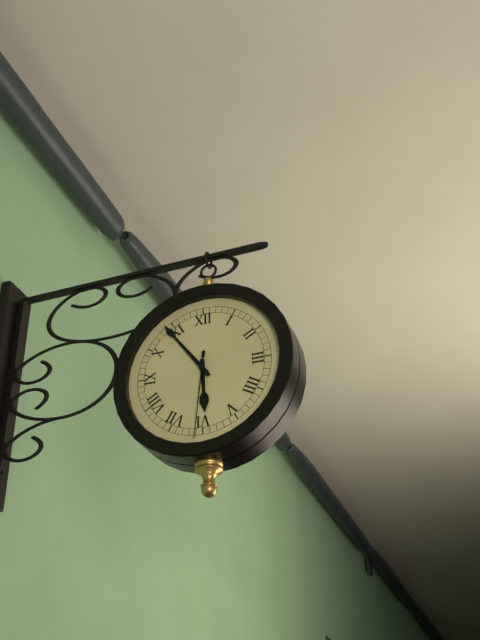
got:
5:54:31
